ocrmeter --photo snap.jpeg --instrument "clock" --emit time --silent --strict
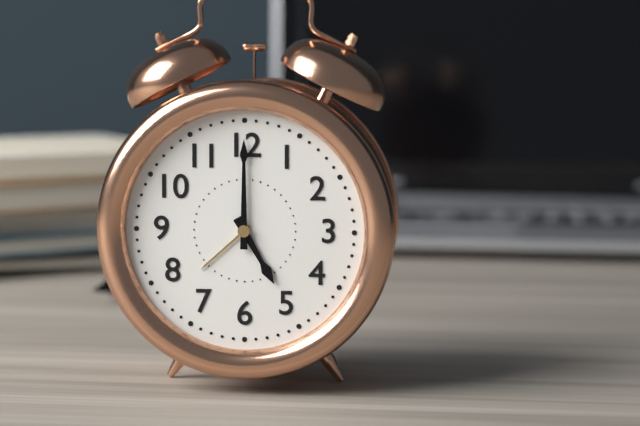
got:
5:00
